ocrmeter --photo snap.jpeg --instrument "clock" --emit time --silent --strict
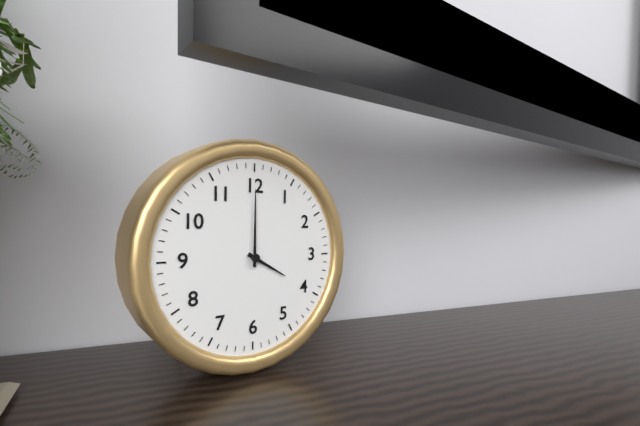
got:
4:00
